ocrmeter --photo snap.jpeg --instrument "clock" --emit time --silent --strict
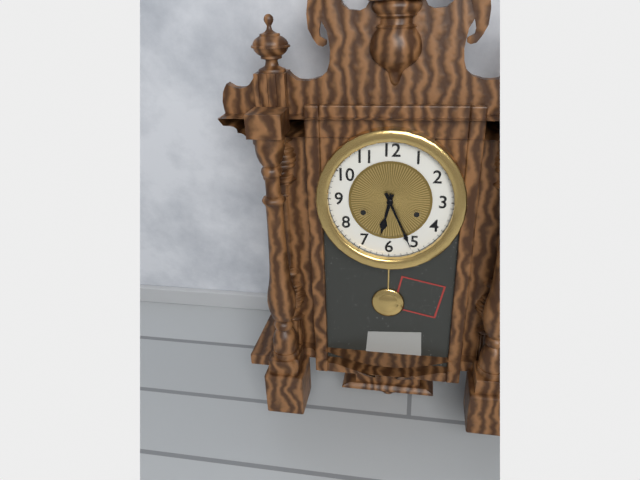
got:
6:26
